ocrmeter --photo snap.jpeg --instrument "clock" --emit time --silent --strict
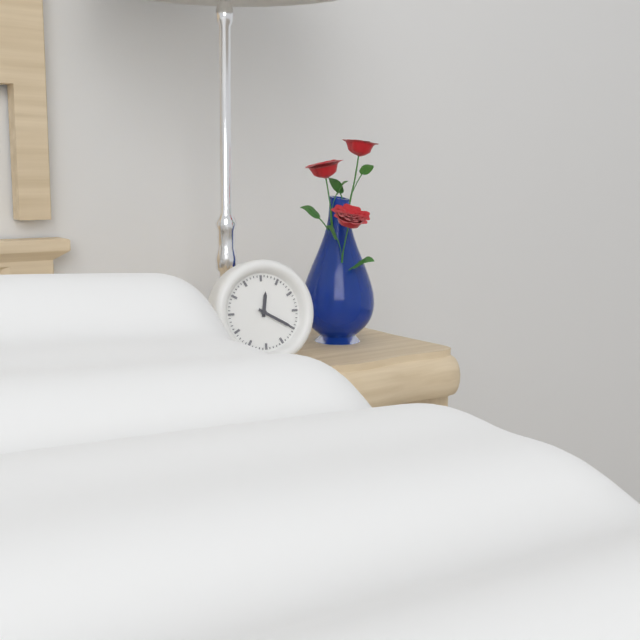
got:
12:20
